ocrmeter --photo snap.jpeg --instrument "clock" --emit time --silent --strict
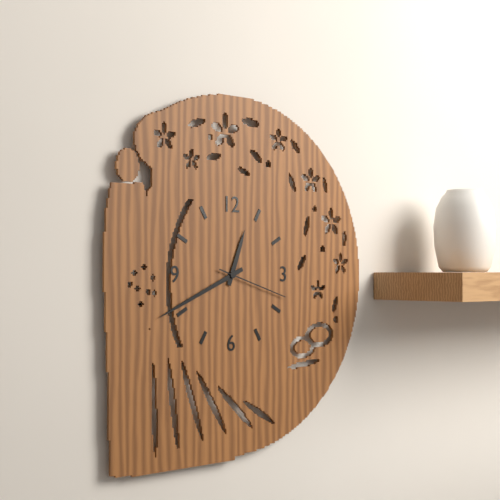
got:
12:41:18
